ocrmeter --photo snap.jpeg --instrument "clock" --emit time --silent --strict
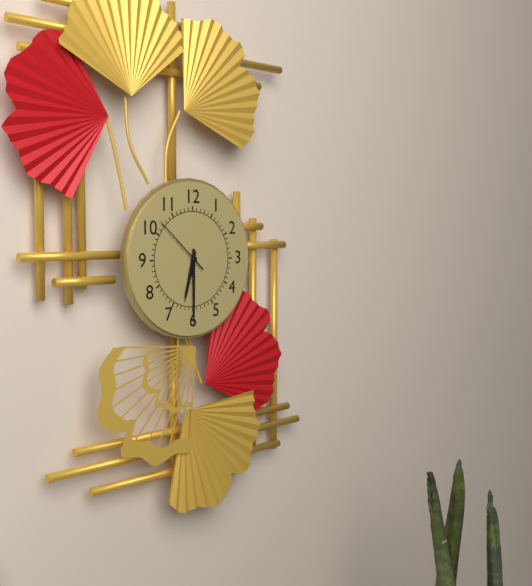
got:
6:30:52
